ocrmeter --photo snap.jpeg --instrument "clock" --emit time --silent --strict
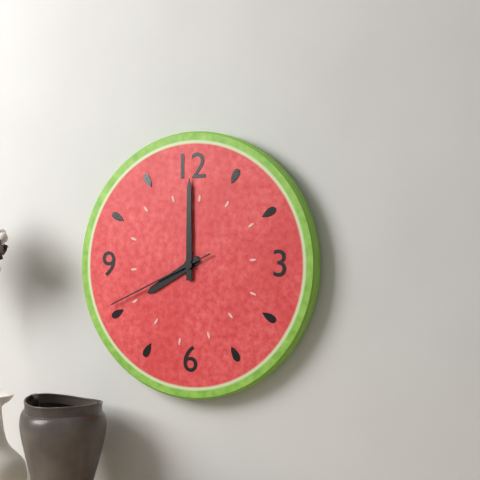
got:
8:00:41
